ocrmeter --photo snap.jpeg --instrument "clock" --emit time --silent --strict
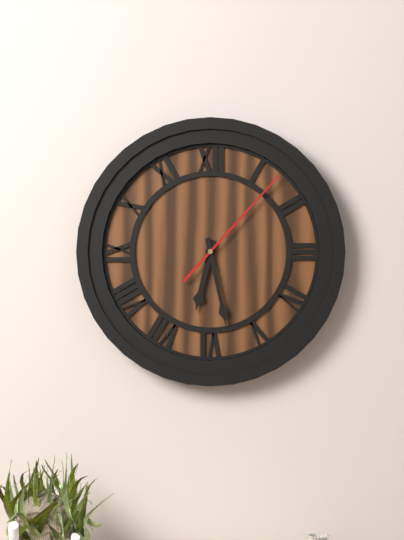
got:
6:28:07
